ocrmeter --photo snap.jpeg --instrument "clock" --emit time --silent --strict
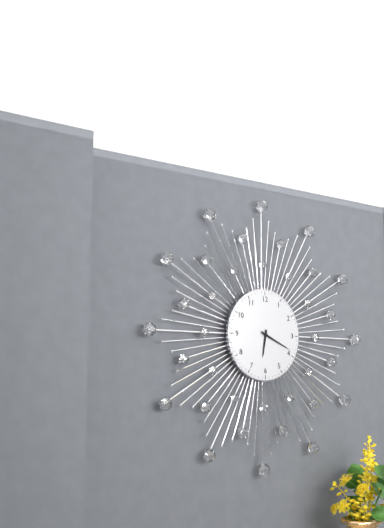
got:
6:19
